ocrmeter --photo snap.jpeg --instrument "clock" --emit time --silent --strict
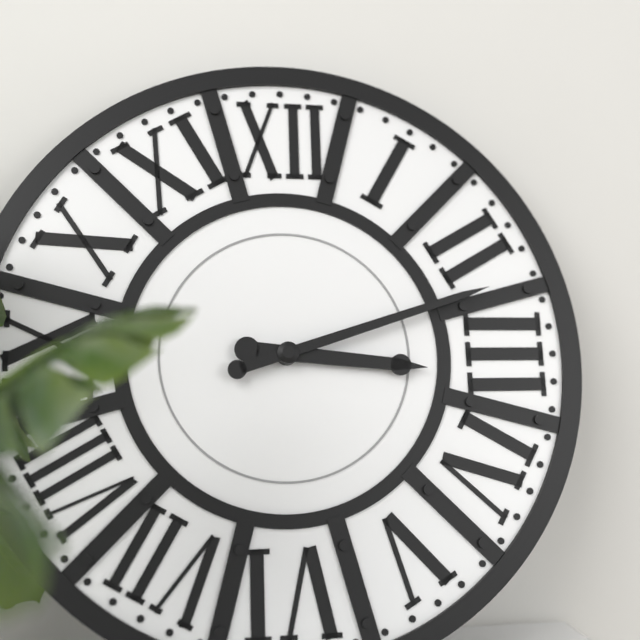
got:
3:12
